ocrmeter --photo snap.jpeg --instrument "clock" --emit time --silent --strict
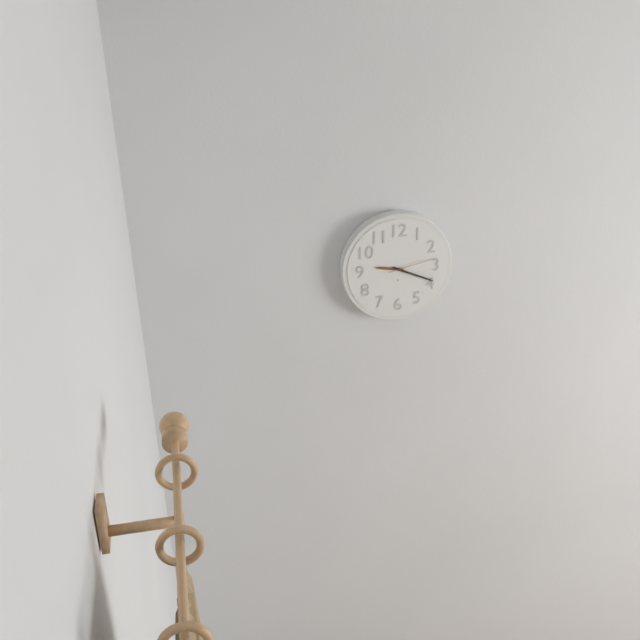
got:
9:19
